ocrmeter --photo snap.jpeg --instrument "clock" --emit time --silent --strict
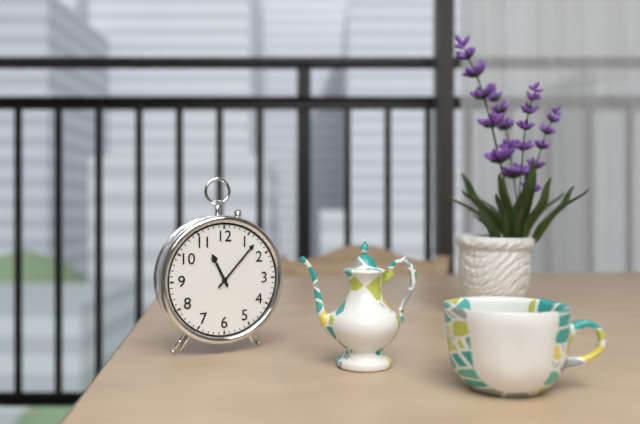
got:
11:07
